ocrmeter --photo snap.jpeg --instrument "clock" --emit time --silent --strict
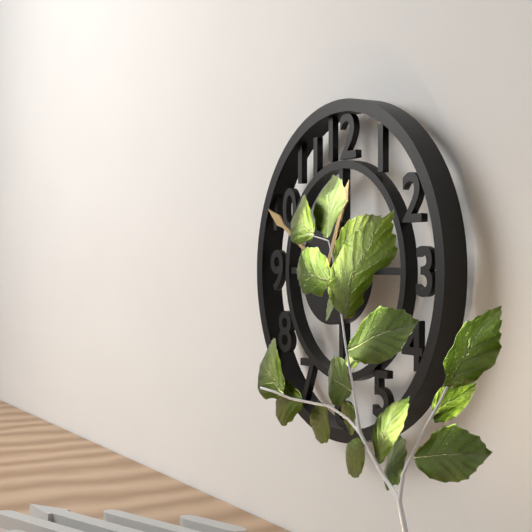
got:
12:50
